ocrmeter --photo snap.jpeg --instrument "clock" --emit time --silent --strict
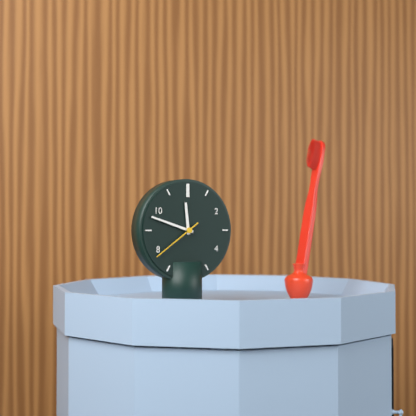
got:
11:48:39
